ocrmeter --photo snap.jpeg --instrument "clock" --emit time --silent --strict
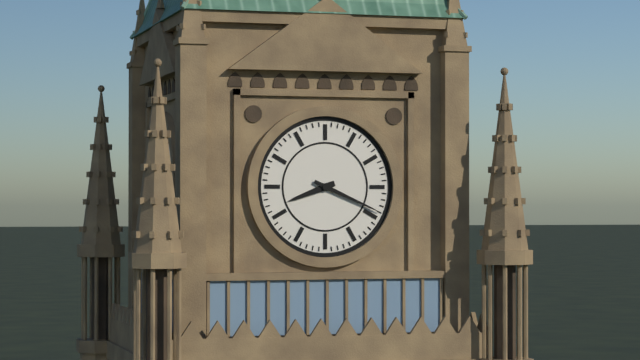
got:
8:19
